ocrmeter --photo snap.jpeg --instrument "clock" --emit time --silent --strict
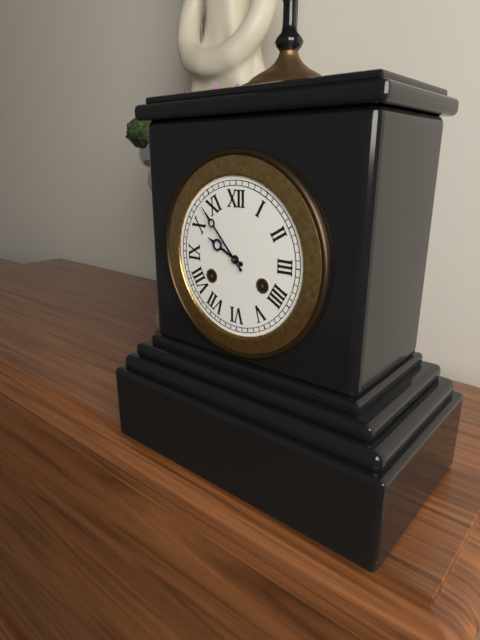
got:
9:53
